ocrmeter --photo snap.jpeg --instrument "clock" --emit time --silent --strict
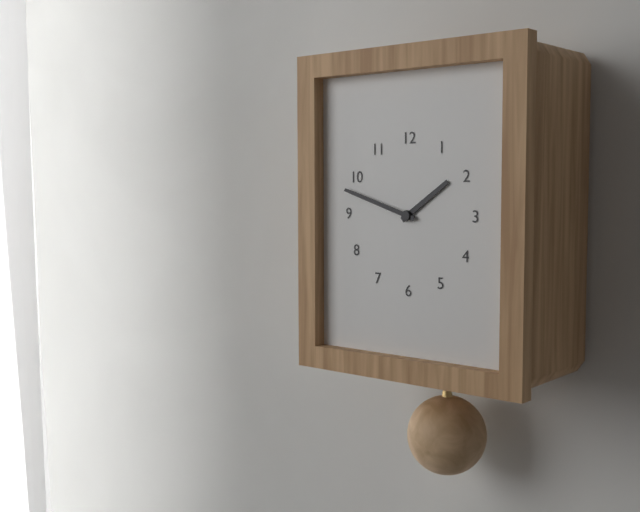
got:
1:48
